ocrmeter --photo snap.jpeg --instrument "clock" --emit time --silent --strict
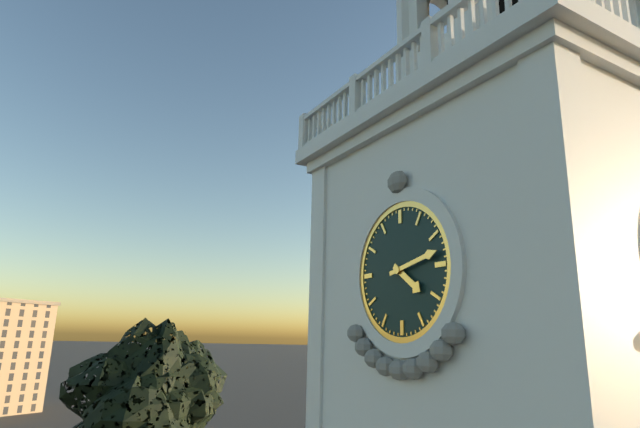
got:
4:13
